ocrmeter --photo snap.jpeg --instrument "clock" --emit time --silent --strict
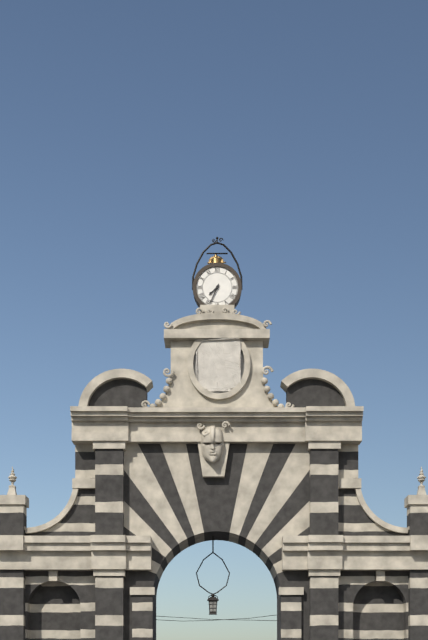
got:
7:34
